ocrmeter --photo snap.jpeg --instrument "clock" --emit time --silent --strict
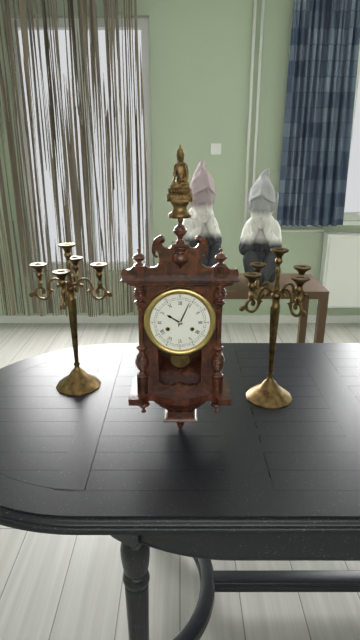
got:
10:04
